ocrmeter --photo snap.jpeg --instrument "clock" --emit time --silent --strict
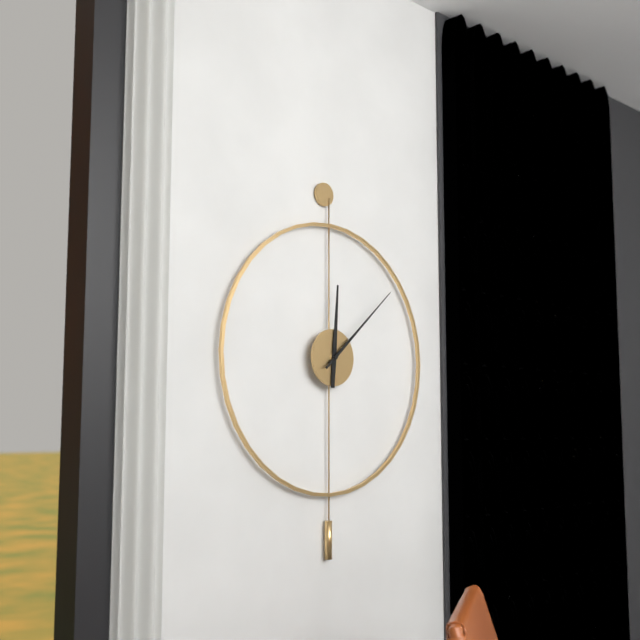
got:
12:08
